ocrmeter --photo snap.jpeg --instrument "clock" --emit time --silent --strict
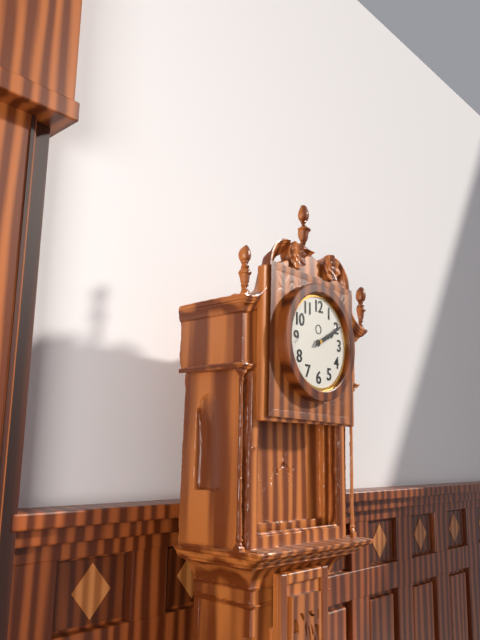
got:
2:10
